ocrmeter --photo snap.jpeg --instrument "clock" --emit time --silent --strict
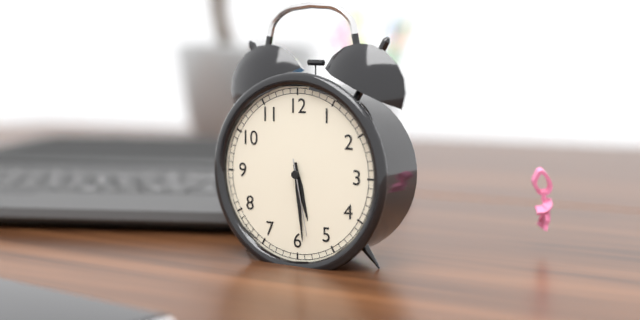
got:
5:29:28
